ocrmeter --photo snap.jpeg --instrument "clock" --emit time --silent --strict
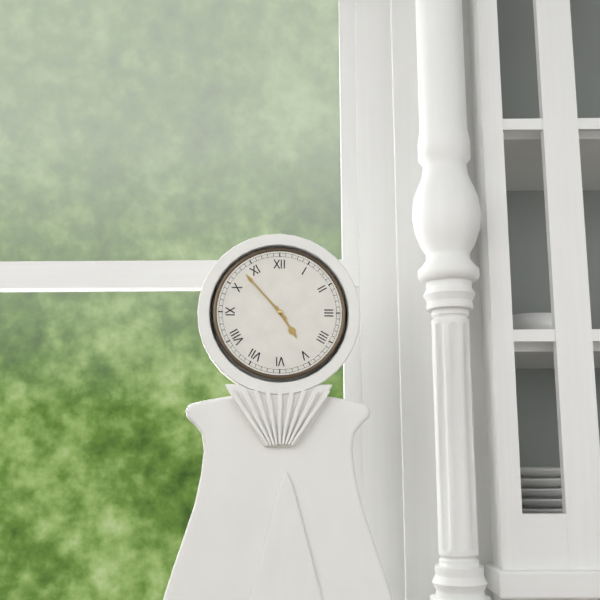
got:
4:53
